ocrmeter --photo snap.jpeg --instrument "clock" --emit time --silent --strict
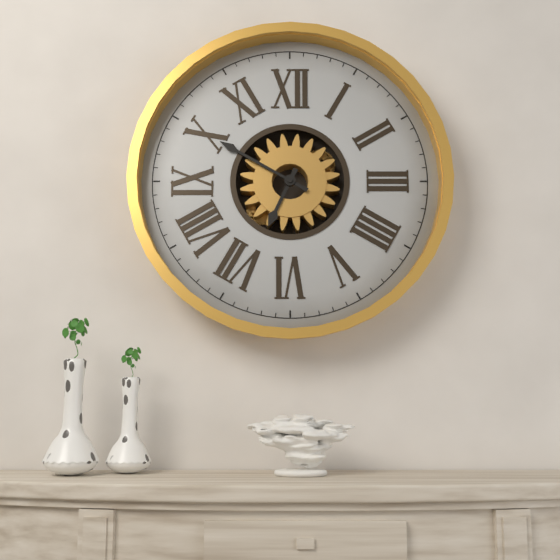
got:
6:50
